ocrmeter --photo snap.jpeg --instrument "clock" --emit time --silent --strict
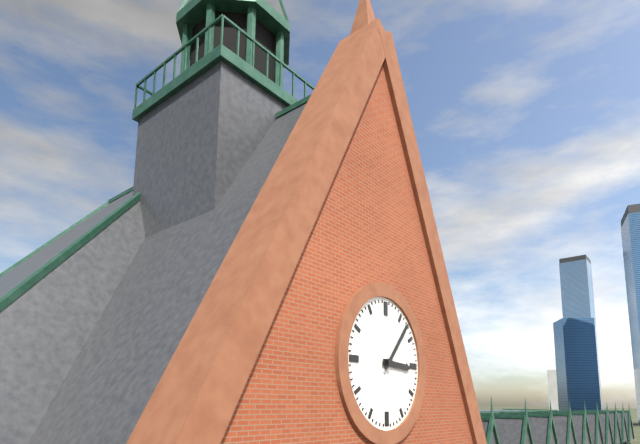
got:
3:07
